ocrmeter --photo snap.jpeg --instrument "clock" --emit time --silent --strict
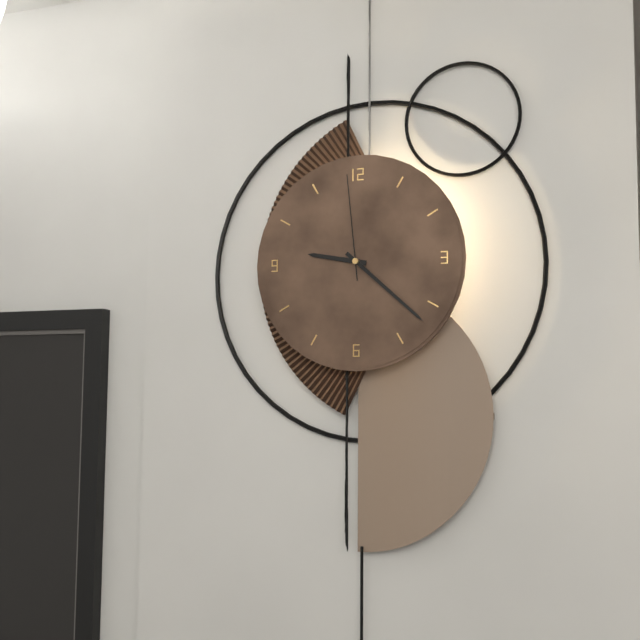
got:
9:22:59
